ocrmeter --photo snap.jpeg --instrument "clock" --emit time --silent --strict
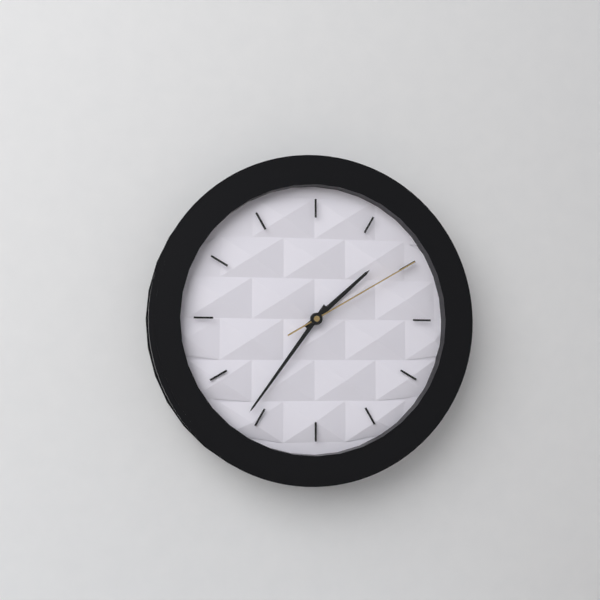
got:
1:36:10
